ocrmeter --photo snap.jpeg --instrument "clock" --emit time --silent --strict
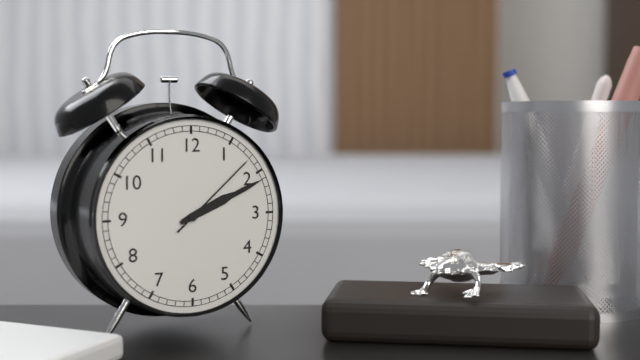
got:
2:11:08
